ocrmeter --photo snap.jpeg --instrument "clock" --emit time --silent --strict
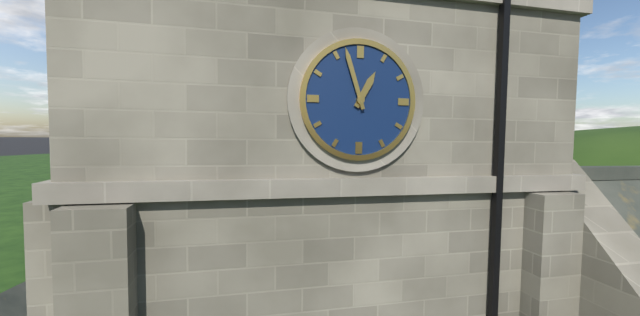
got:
12:57
